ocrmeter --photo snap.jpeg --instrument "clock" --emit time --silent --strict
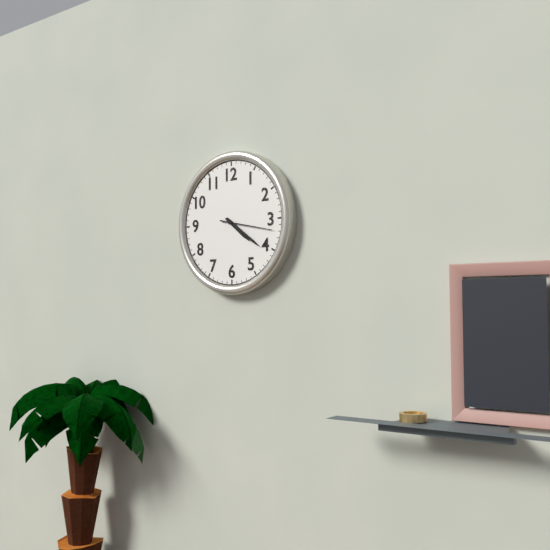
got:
4:21:17
